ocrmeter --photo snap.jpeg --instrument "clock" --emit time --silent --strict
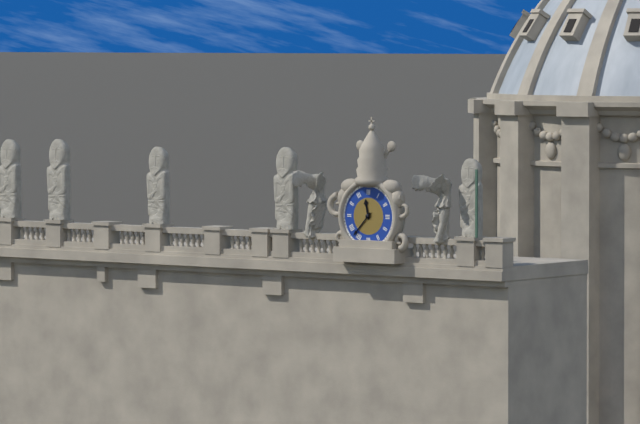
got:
11:37
